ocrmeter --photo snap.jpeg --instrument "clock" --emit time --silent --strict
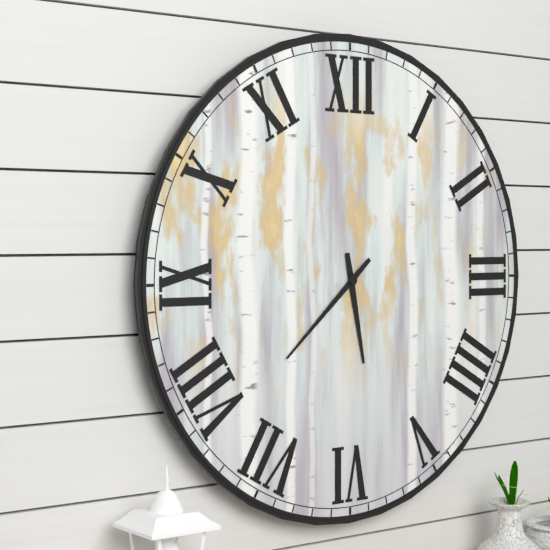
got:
5:38
